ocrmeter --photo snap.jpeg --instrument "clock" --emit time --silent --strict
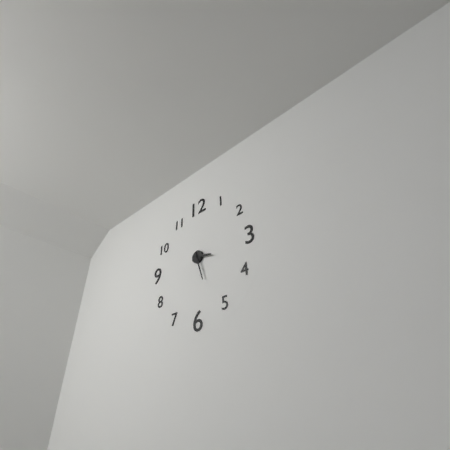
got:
3:27
